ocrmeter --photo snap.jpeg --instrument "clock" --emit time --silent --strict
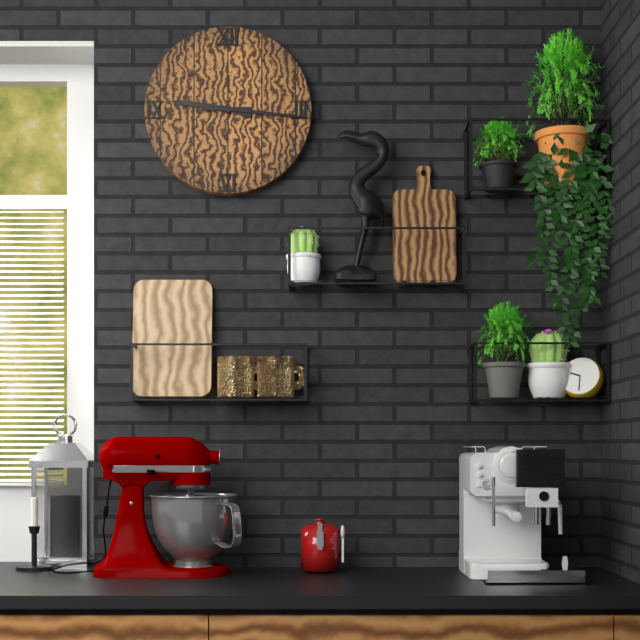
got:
9:16
